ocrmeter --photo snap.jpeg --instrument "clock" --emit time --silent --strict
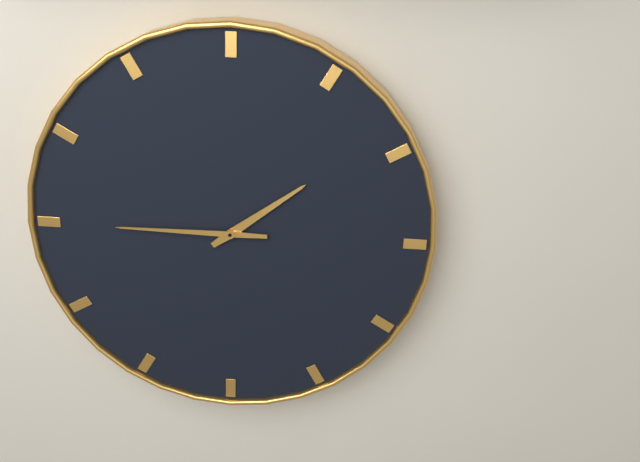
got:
1:45
